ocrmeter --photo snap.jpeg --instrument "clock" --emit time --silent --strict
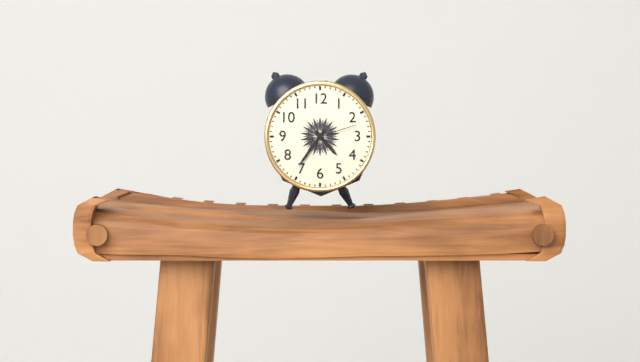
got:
4:36:12
